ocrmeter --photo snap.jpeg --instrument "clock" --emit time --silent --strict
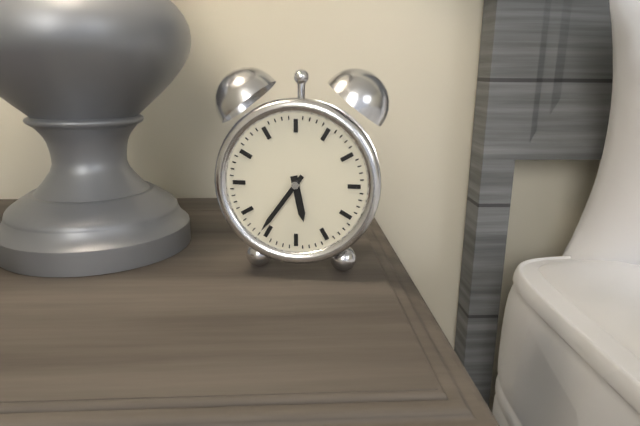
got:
5:36
